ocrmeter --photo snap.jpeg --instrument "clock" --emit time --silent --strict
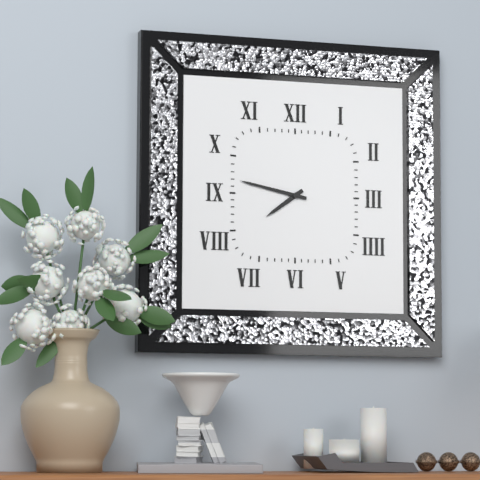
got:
7:47
